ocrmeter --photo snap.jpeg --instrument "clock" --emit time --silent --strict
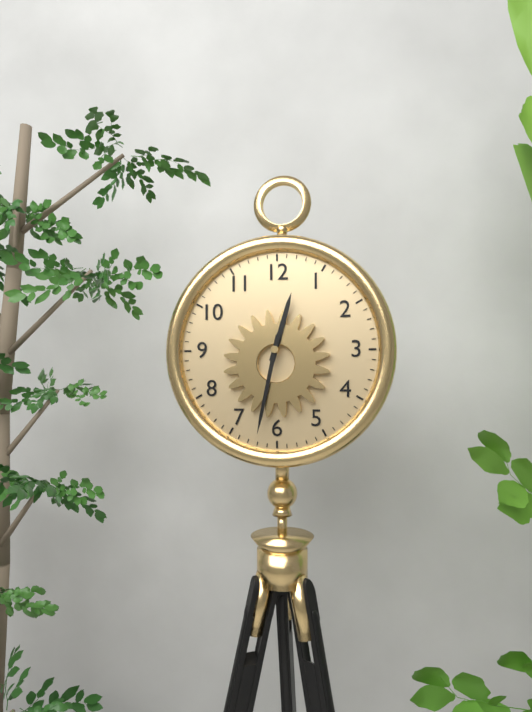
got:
12:32
